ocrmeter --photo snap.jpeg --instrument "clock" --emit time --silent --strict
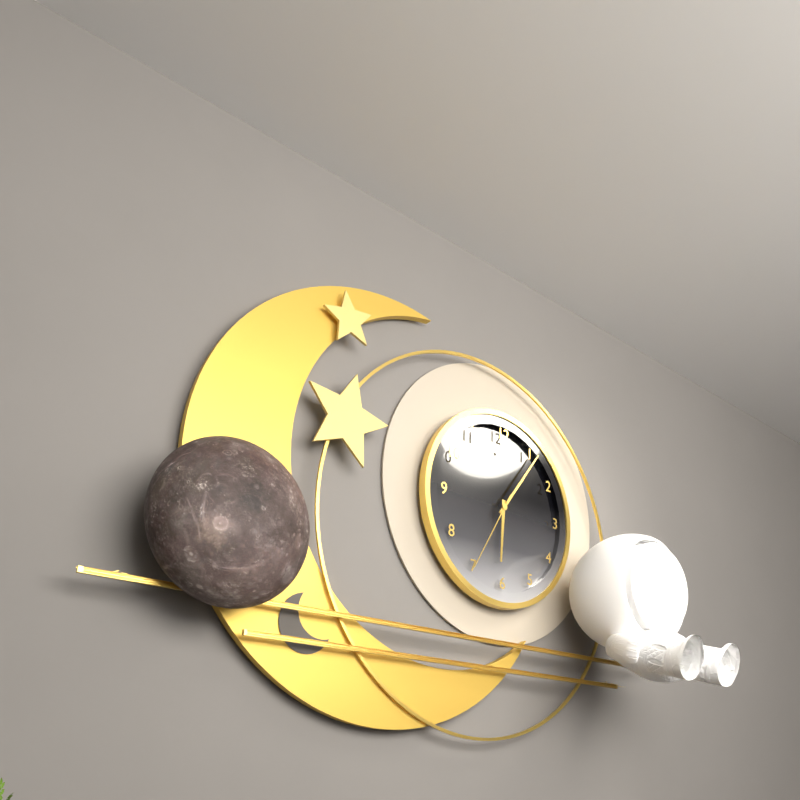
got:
6:06:35
